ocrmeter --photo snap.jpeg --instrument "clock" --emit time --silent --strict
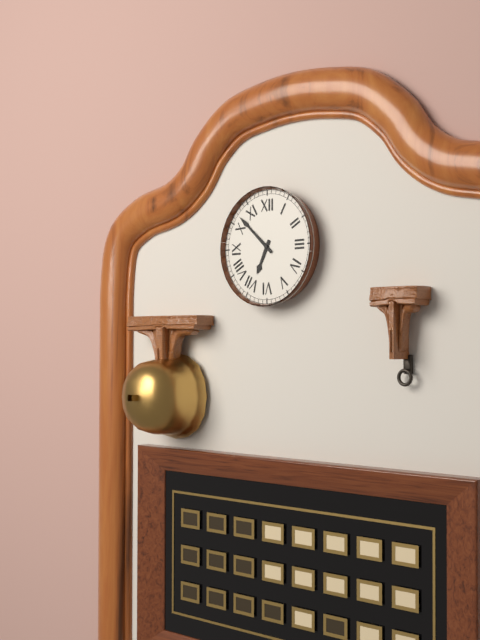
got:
6:52
